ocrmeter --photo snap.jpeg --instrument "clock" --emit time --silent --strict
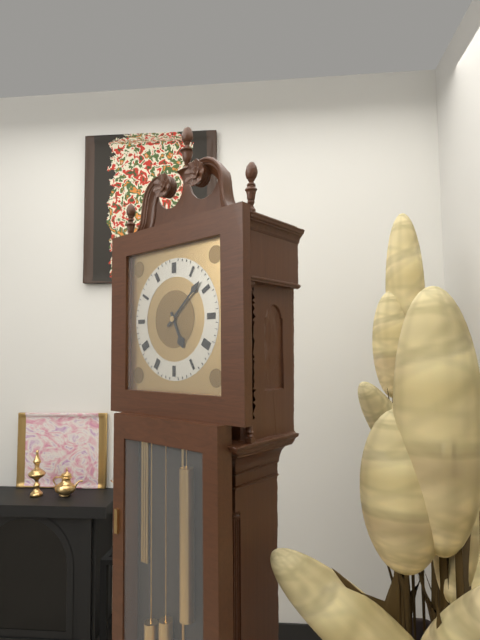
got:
5:08
